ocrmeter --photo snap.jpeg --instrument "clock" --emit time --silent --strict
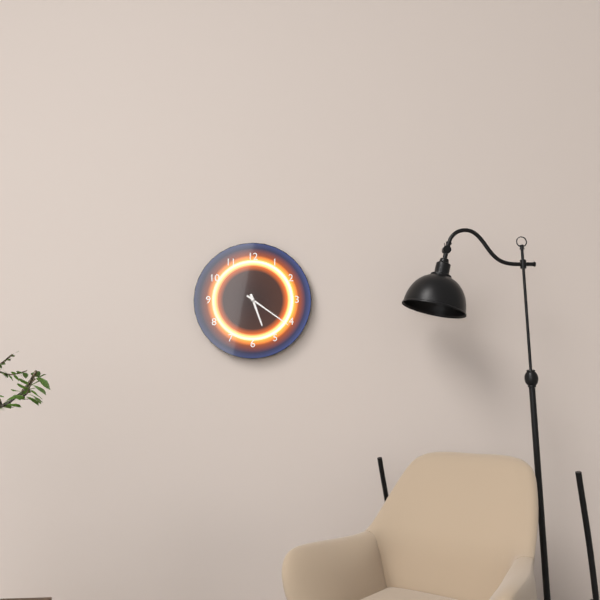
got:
5:21
